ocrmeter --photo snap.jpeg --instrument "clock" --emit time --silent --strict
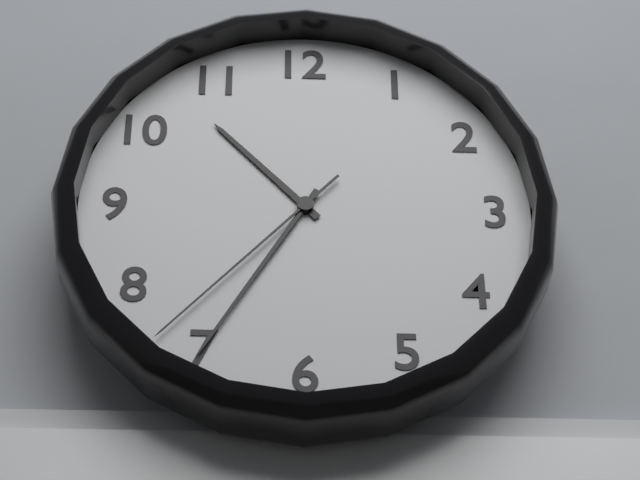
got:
10:35:37
